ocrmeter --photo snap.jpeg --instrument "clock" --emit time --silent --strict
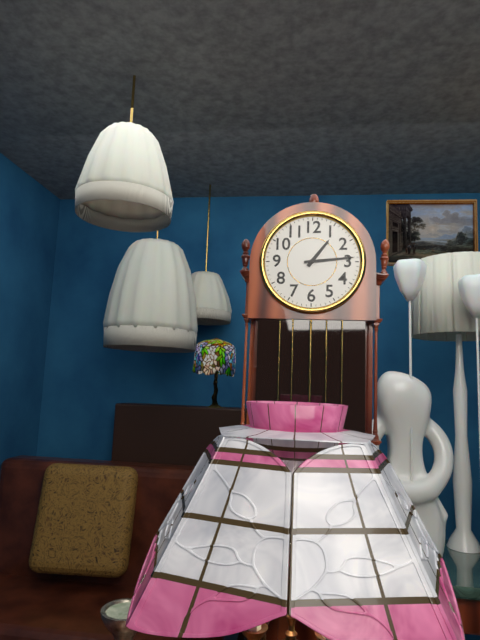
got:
1:14
